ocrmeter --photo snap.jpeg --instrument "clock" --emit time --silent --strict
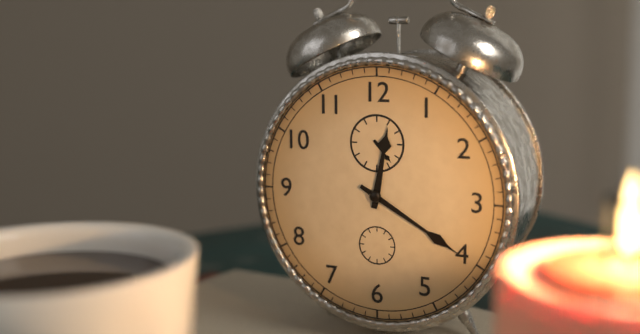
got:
12:20
